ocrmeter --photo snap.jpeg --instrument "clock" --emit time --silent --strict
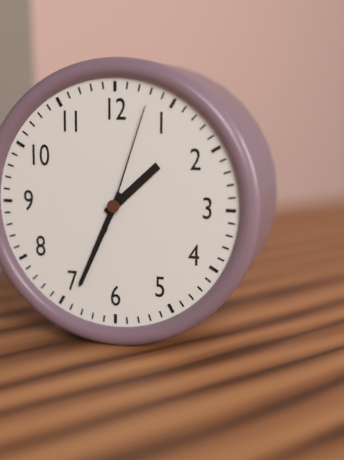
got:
1:34:03
